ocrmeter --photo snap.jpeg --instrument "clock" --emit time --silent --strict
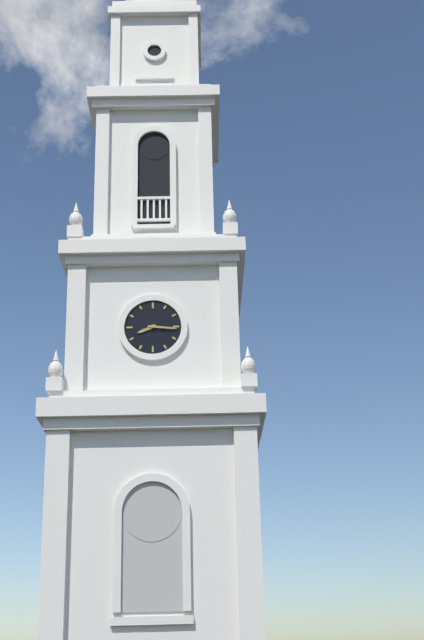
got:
8:16
